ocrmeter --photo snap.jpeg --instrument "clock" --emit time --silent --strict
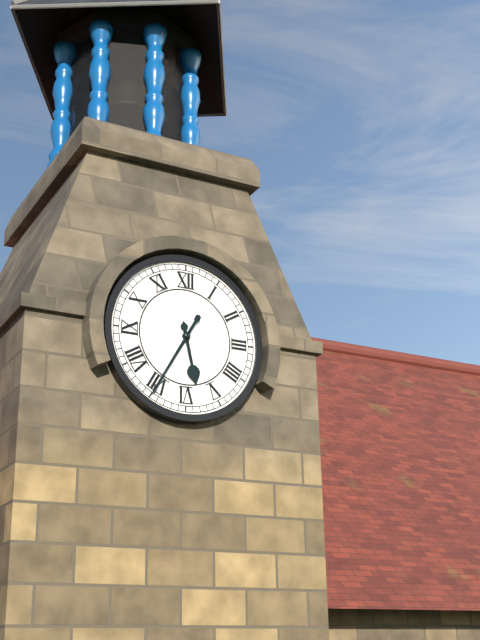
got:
5:35
